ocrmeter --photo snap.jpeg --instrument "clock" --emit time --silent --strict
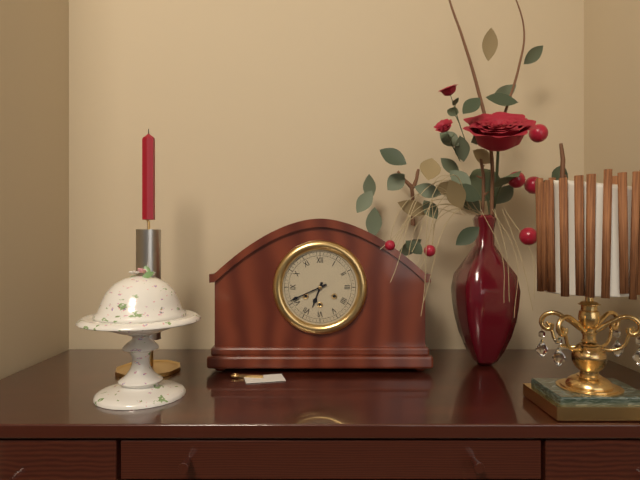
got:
6:41
